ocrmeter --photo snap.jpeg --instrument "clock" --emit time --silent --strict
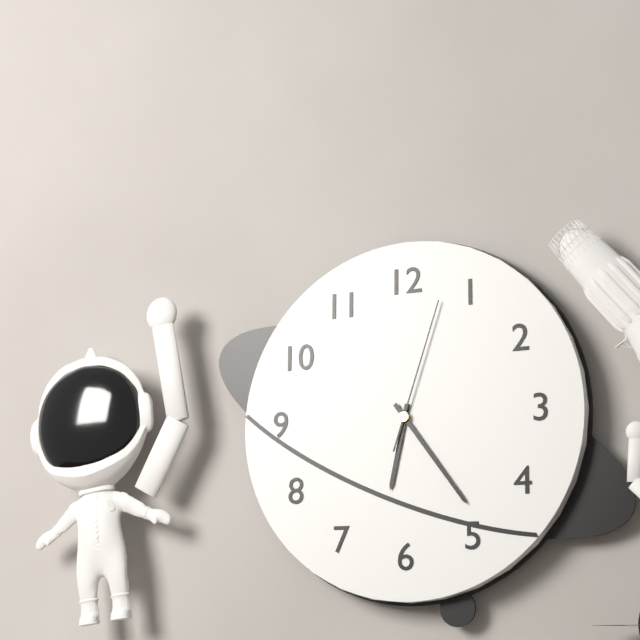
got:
6:24:03
